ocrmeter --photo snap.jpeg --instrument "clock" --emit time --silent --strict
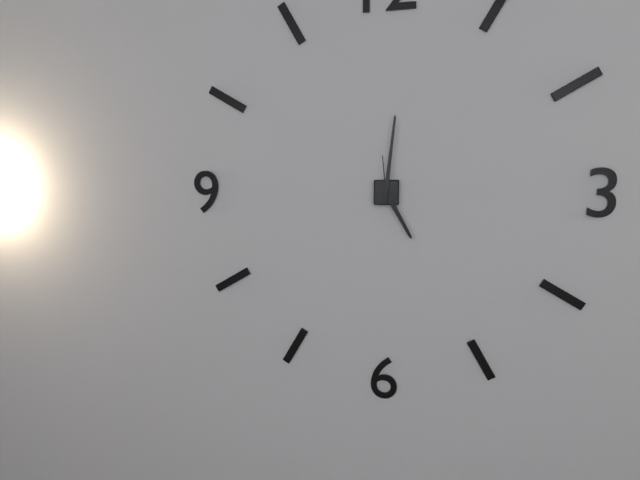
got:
5:01
